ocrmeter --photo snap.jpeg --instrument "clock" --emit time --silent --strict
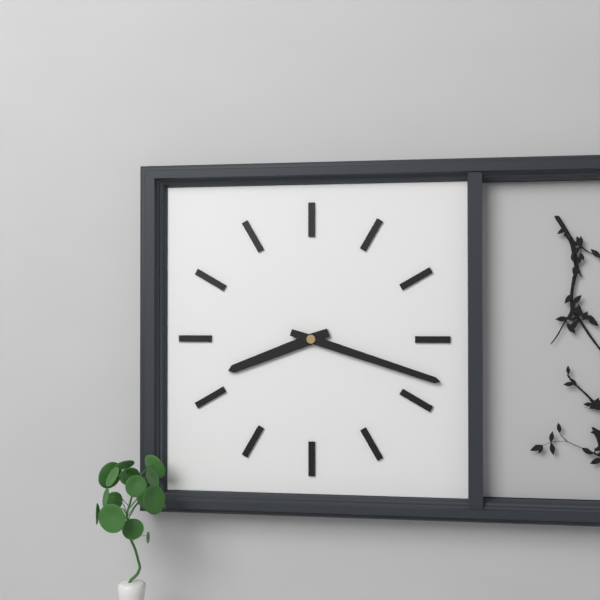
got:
8:18
